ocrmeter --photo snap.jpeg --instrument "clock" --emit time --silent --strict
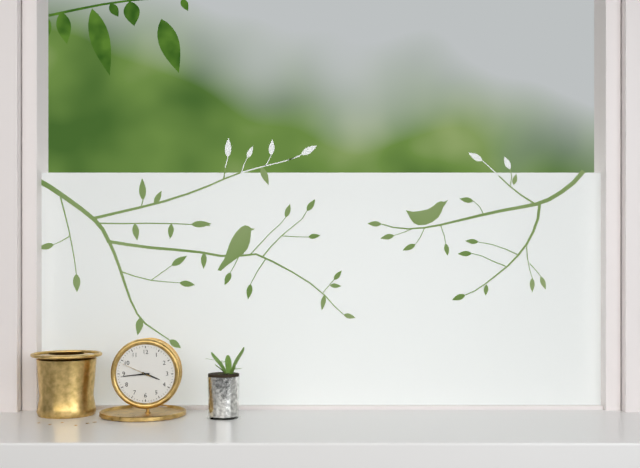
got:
3:44
